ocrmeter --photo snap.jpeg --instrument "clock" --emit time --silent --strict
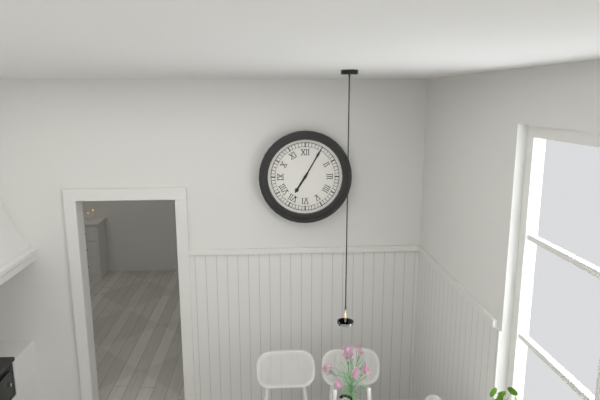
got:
7:05
